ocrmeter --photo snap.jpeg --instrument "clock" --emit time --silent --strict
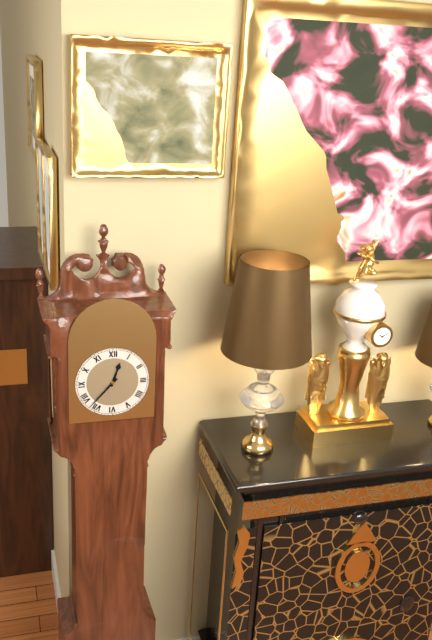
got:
12:37
